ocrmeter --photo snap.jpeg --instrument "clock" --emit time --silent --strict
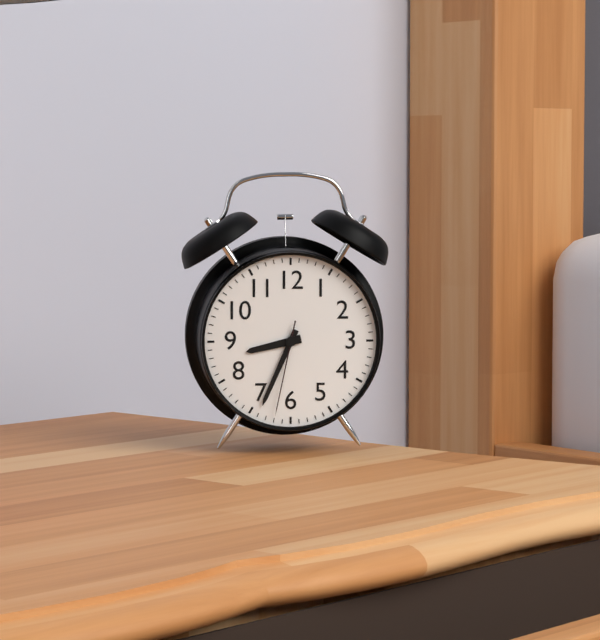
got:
8:34:32
